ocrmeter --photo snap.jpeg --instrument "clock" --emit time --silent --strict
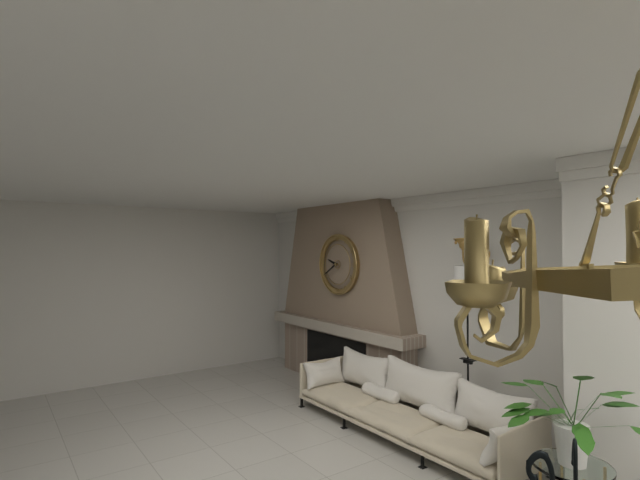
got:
9:40
